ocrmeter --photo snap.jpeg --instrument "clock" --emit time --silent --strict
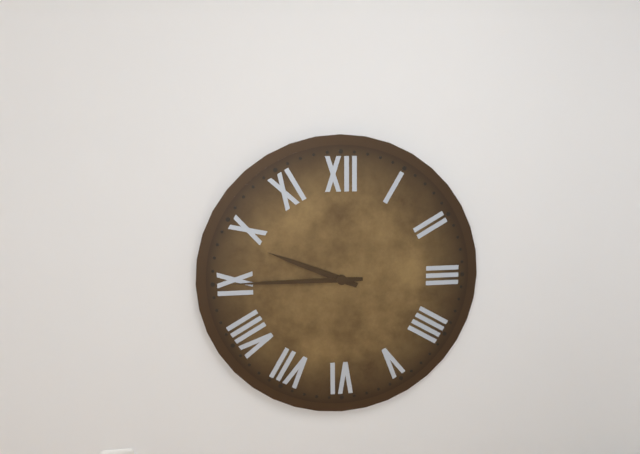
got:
9:45
